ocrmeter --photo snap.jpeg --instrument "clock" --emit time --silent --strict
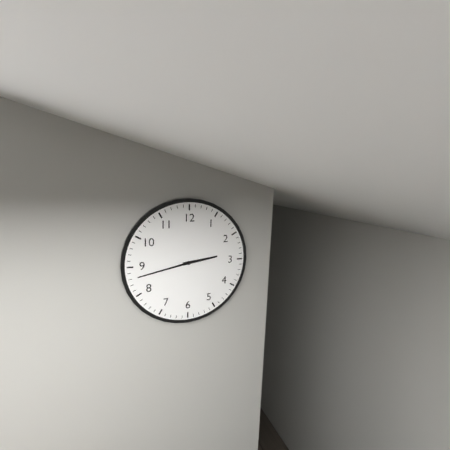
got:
2:43
